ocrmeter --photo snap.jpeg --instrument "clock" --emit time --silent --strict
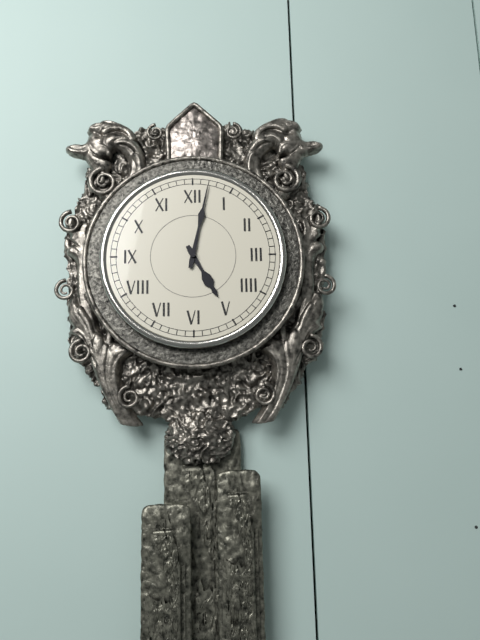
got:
5:02
